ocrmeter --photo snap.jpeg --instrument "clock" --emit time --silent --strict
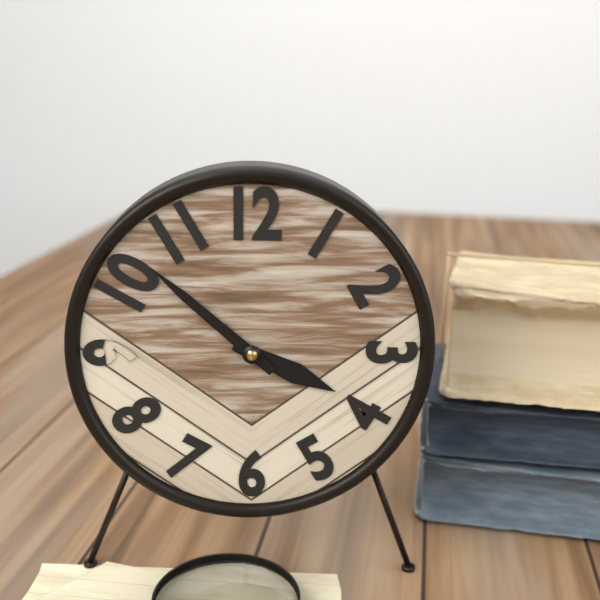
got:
3:52
